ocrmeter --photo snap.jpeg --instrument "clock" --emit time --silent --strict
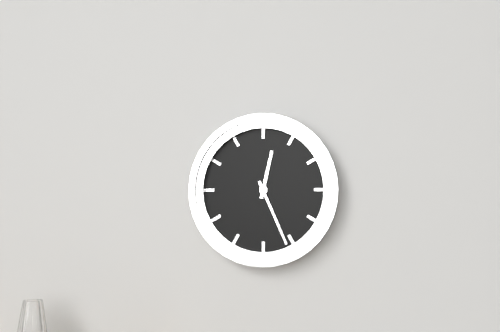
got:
12:26
